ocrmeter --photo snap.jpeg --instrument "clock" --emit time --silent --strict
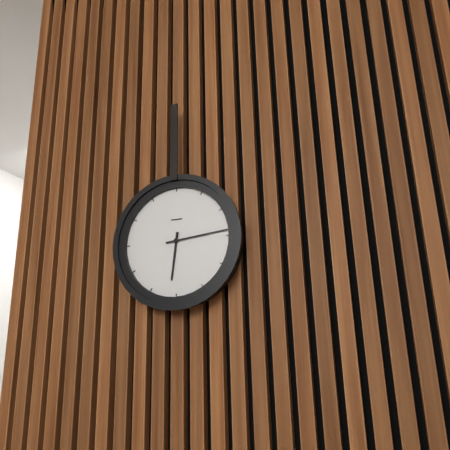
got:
6:14
